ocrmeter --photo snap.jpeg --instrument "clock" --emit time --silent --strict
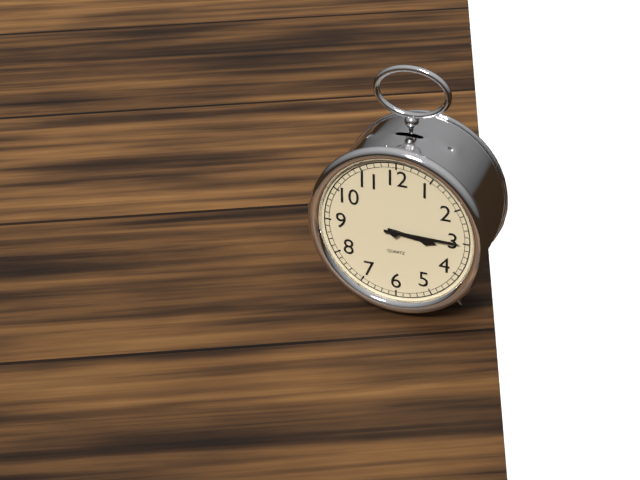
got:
3:15
